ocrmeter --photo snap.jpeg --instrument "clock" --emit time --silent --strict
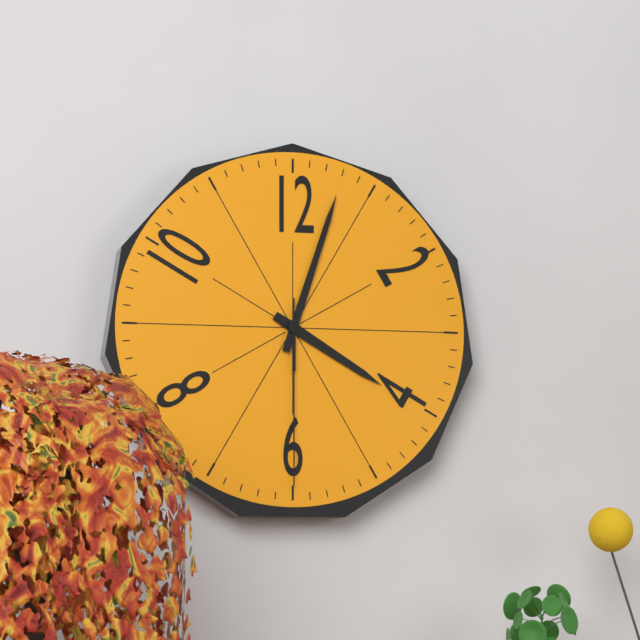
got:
4:03:30
